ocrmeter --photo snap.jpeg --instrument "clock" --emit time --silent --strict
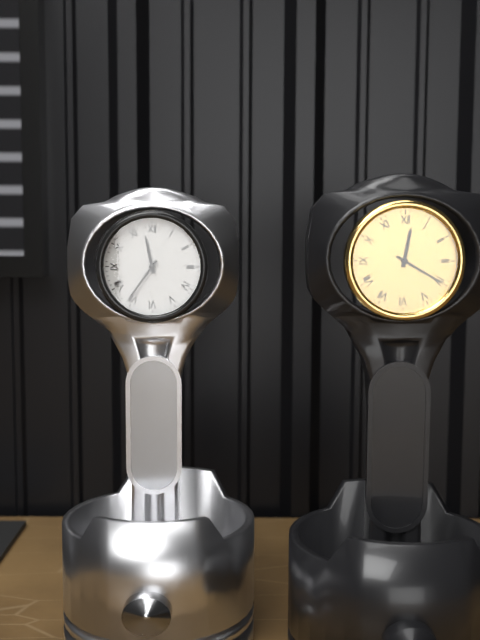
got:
11:36
